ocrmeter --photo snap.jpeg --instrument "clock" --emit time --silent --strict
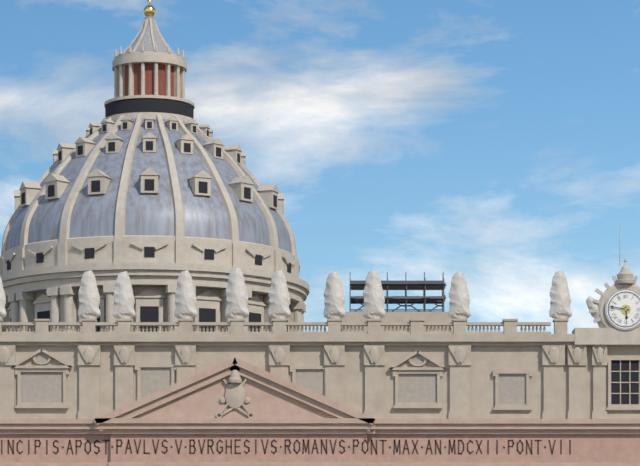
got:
5:47
